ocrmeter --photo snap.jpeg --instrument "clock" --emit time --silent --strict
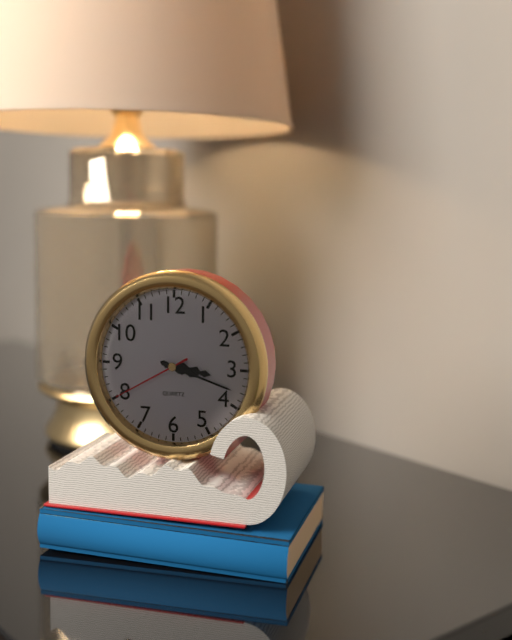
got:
3:18:40
